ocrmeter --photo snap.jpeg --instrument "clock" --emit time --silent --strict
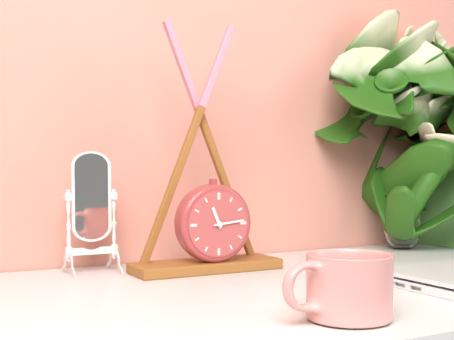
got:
11:14
